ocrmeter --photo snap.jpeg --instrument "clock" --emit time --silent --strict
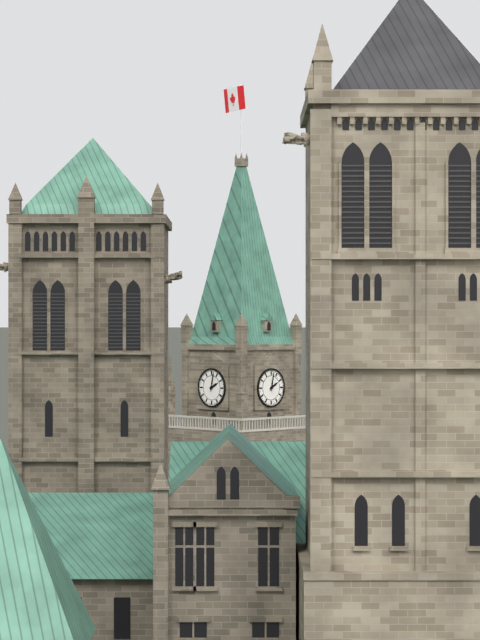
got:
2:02
